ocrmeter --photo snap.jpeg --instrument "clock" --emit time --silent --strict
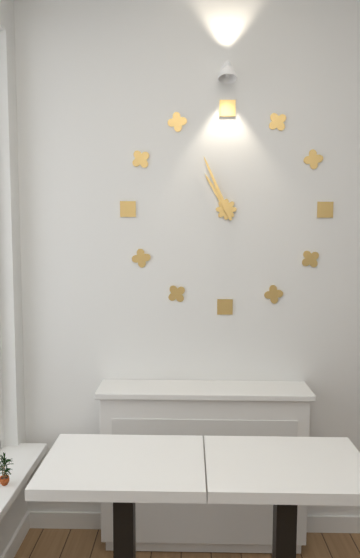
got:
10:56
